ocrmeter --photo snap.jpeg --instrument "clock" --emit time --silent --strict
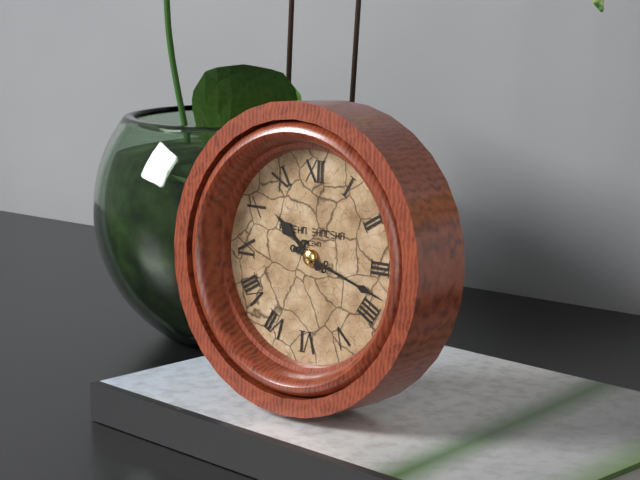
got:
10:18
